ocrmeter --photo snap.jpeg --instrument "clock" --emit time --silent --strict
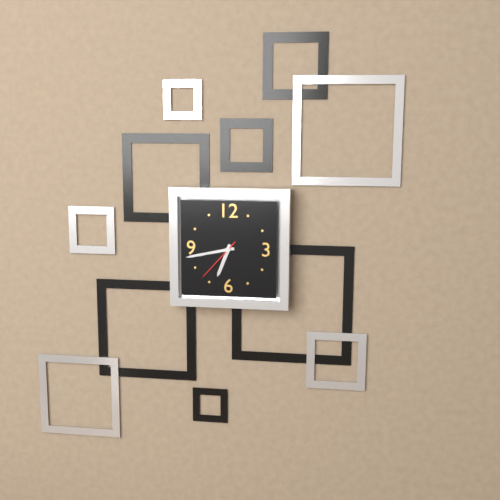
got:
6:43
